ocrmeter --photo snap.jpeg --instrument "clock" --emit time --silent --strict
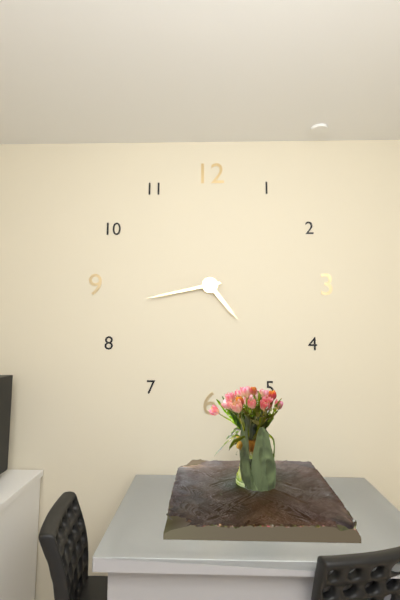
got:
4:43
